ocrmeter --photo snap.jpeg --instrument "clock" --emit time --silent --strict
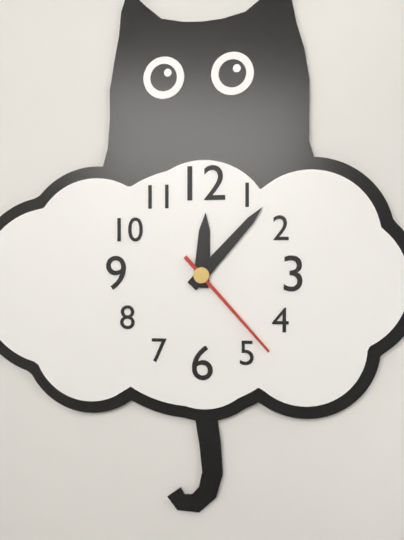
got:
12:07:23
